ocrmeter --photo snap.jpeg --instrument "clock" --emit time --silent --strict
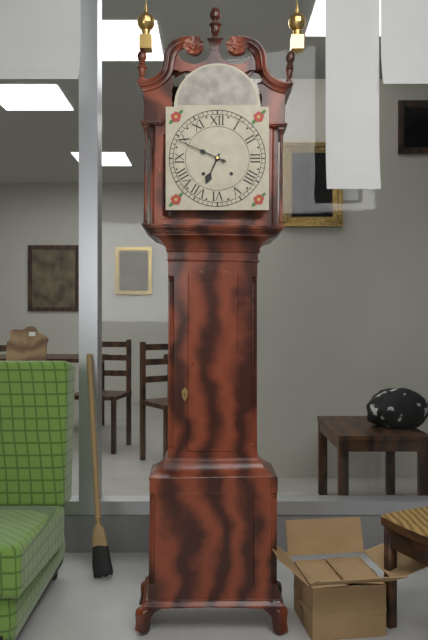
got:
6:49
